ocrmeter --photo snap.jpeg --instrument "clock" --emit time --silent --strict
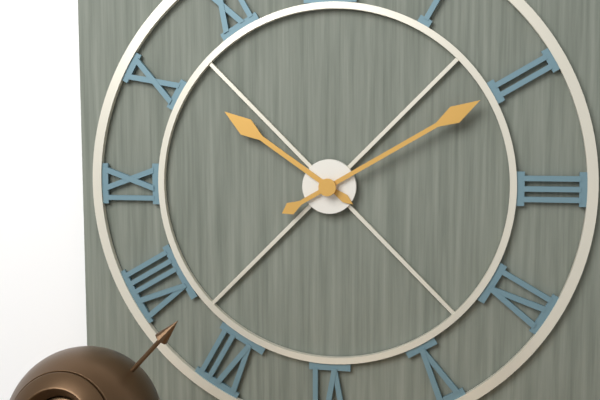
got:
10:10
